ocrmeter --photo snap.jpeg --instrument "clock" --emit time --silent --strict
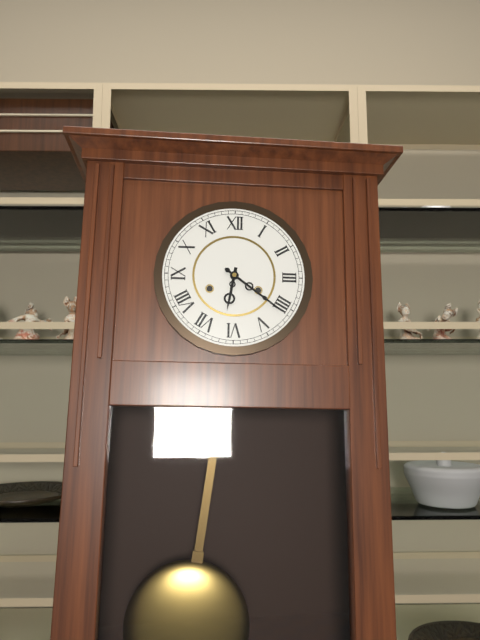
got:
6:21
